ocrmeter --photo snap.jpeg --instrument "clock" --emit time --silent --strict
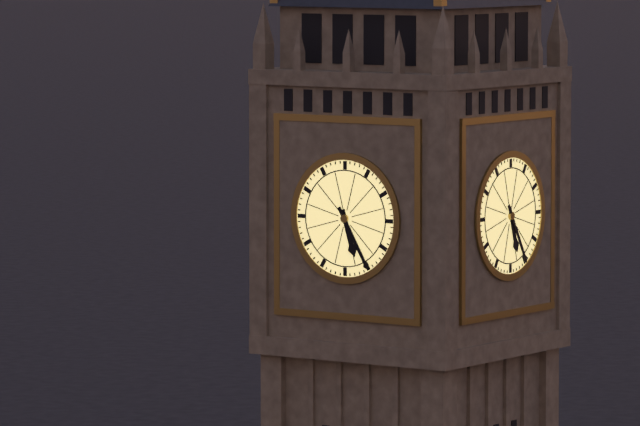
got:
5:25
